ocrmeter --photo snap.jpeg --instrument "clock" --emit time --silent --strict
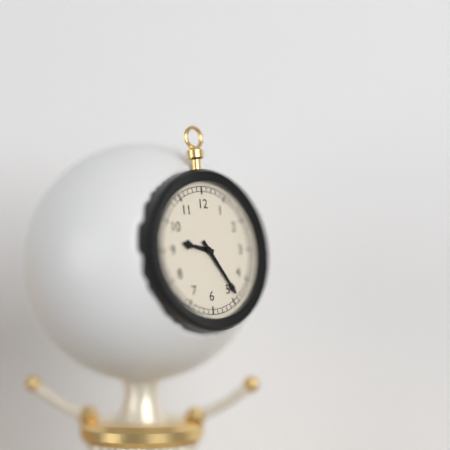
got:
9:24
